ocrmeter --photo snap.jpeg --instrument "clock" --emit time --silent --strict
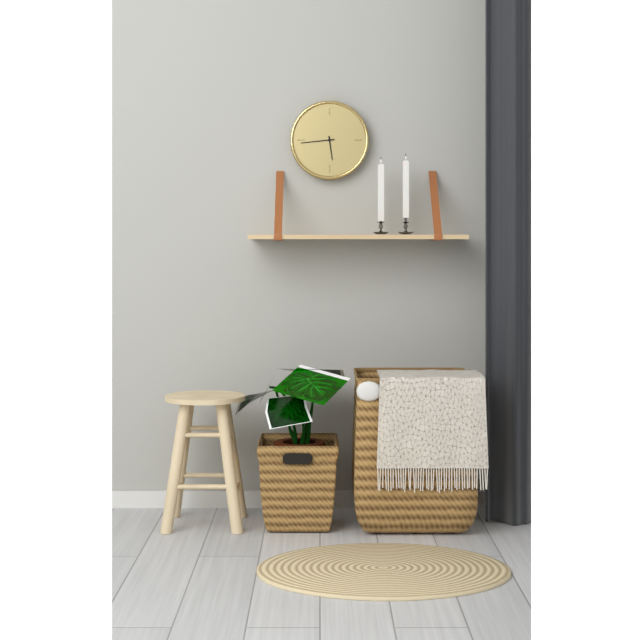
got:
5:44
